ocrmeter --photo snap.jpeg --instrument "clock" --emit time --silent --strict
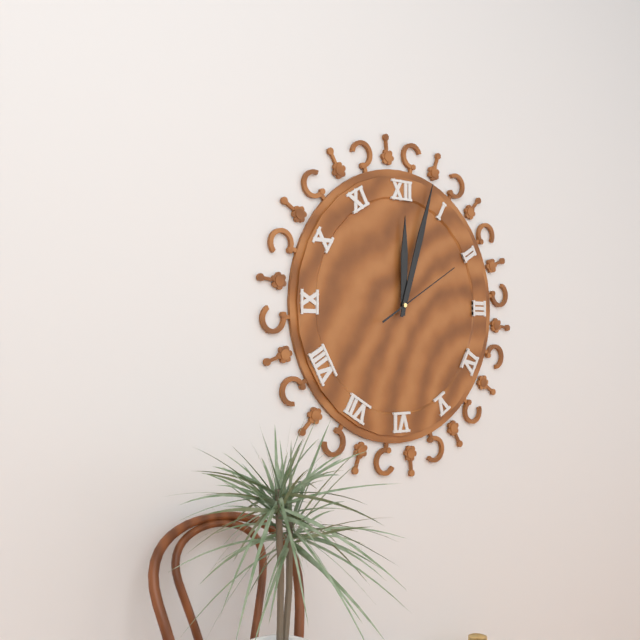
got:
12:03:10
